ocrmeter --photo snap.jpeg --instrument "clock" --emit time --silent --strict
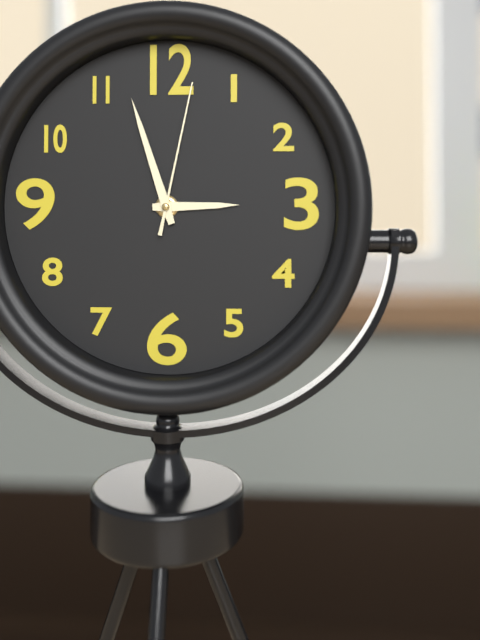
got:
2:57:02
